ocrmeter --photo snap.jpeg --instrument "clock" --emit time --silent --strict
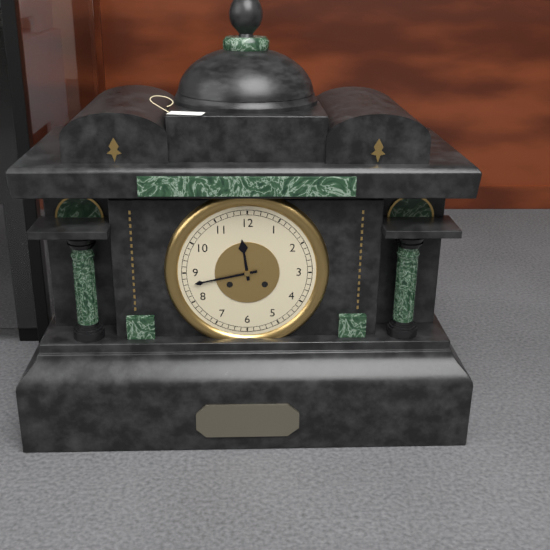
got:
11:43
